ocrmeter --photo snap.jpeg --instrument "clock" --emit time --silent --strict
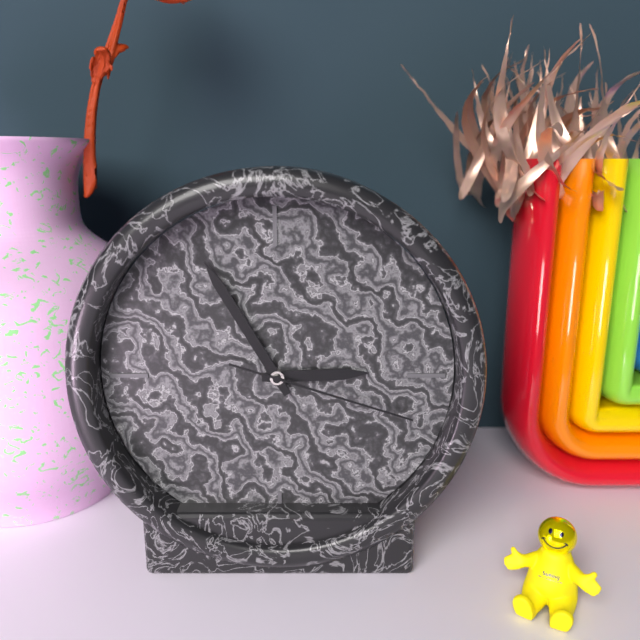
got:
2:55:18
